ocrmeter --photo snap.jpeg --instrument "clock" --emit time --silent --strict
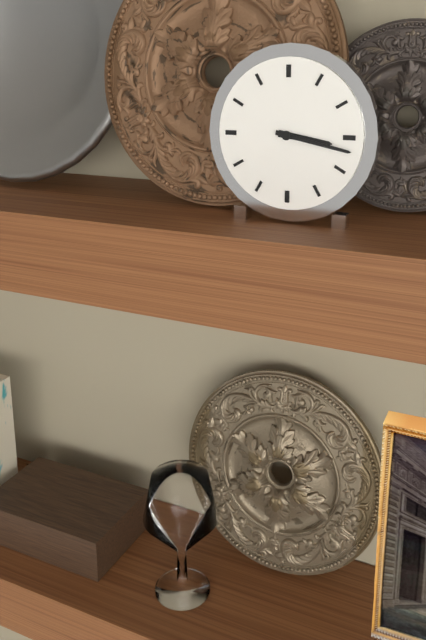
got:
3:17
